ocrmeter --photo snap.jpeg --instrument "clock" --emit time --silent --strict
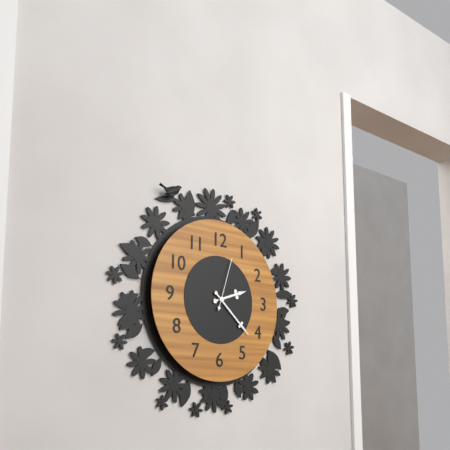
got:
2:22:03
